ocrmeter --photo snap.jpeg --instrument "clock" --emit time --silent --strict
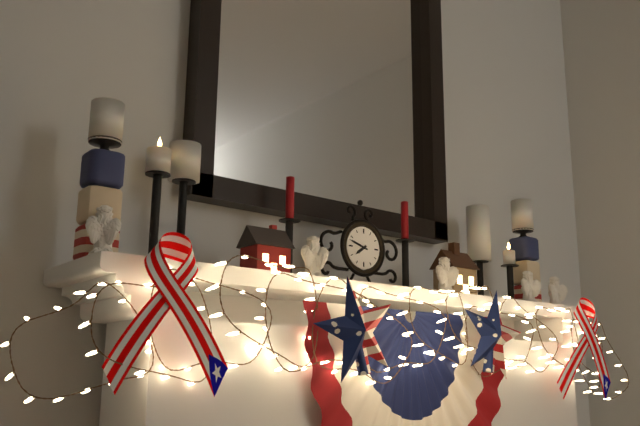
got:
7:48
